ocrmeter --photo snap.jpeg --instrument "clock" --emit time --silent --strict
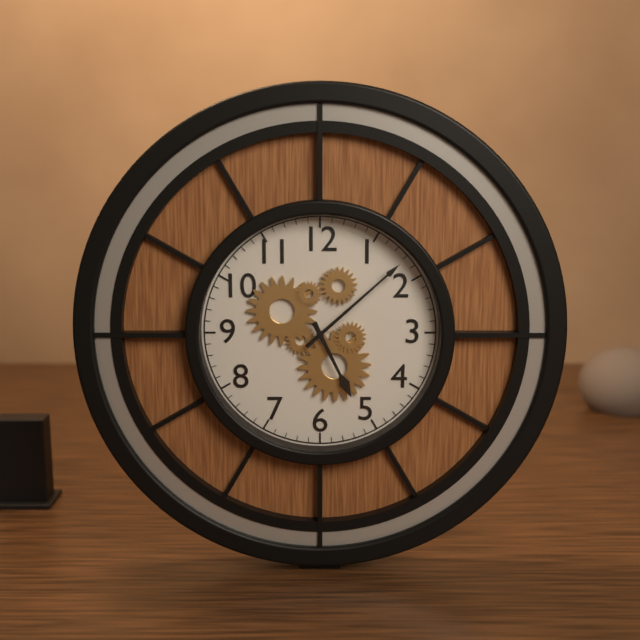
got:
5:08
